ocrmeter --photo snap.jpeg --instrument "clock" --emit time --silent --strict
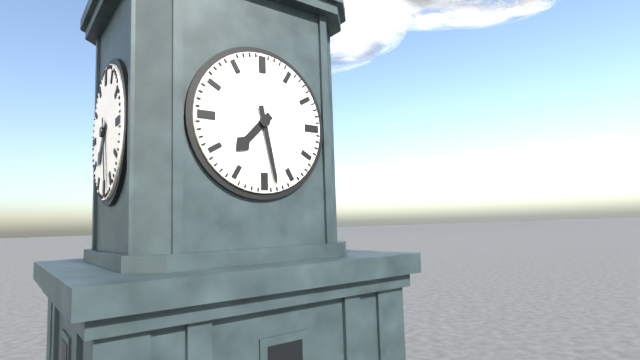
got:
7:28
